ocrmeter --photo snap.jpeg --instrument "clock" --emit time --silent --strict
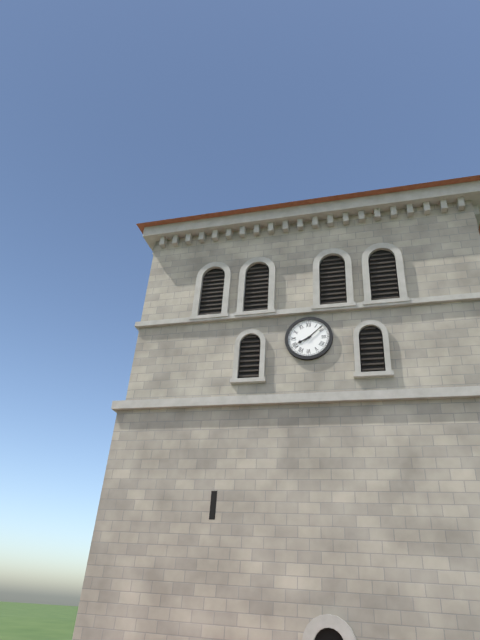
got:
8:08
